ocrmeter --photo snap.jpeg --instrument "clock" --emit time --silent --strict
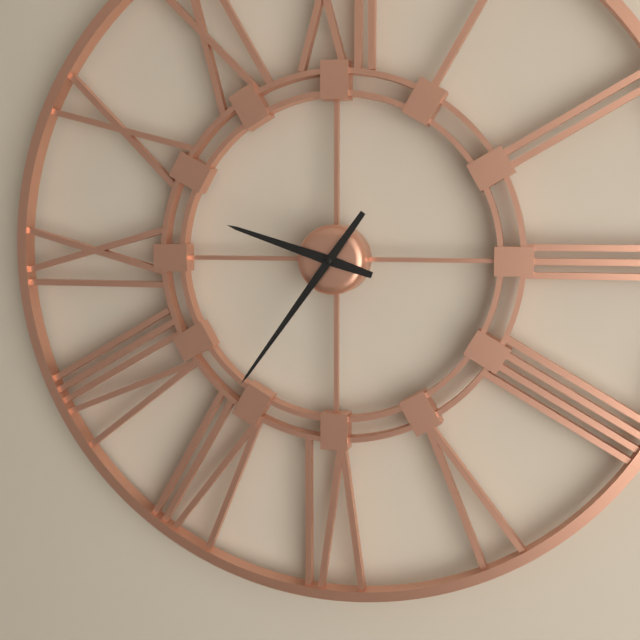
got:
9:36
